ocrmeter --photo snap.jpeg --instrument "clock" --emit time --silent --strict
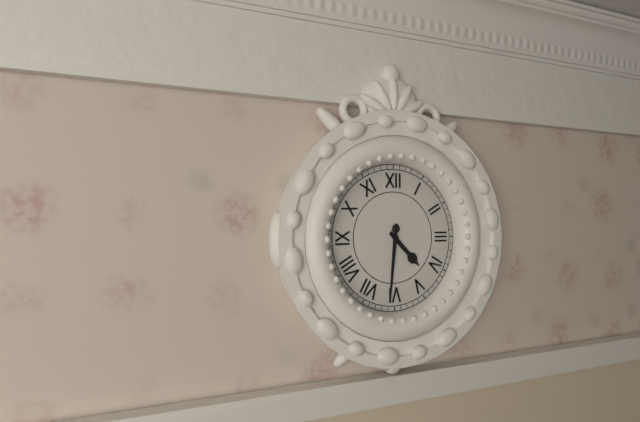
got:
4:31
